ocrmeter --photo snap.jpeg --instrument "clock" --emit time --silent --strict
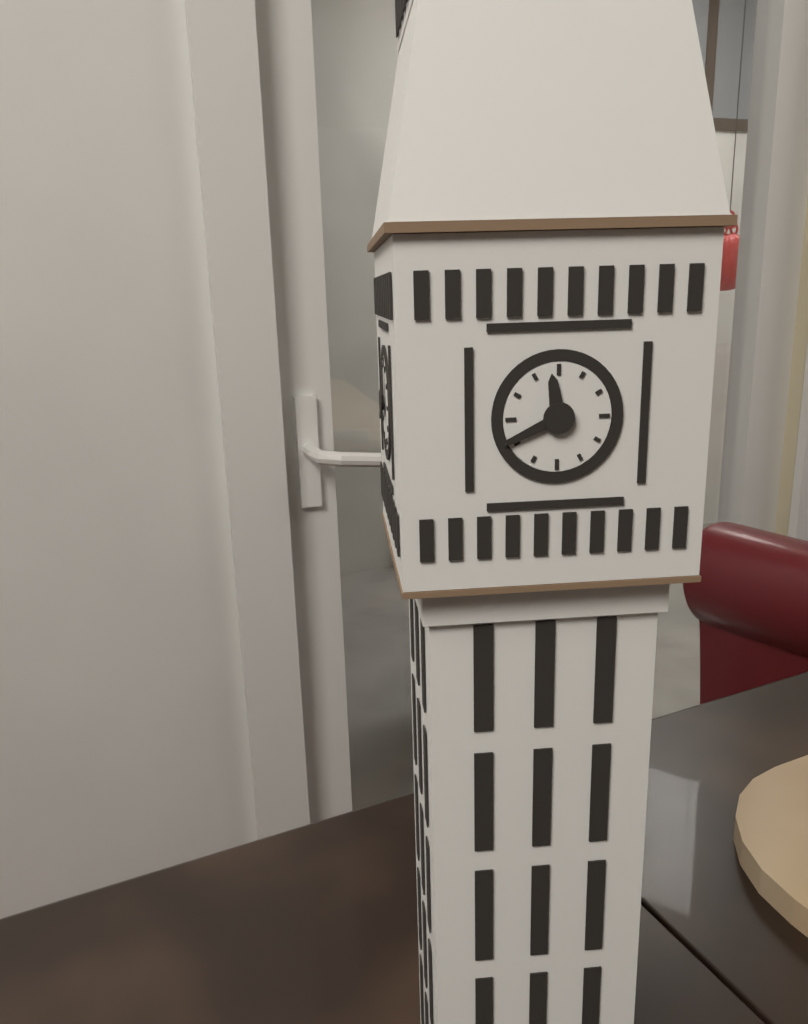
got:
11:41
